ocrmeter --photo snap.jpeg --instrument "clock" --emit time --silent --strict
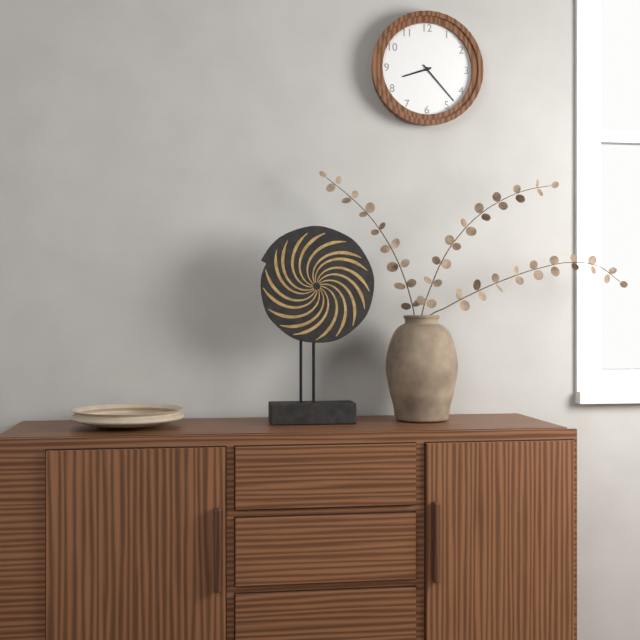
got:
8:23
